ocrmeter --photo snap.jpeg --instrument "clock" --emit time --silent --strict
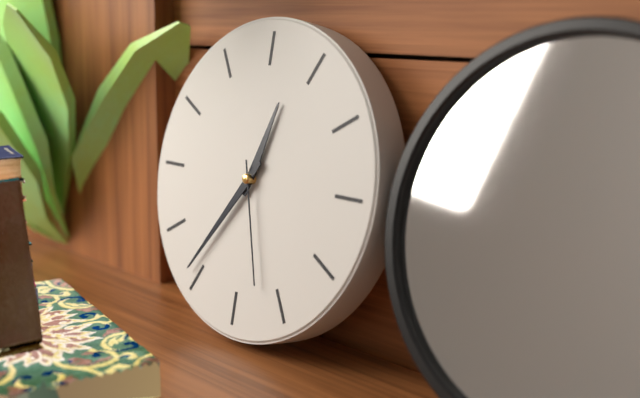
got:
12:36:27
